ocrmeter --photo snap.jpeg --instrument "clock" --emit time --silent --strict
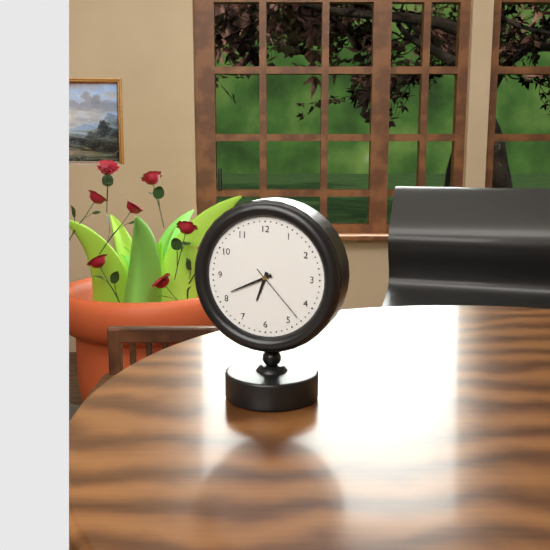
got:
6:41:23
